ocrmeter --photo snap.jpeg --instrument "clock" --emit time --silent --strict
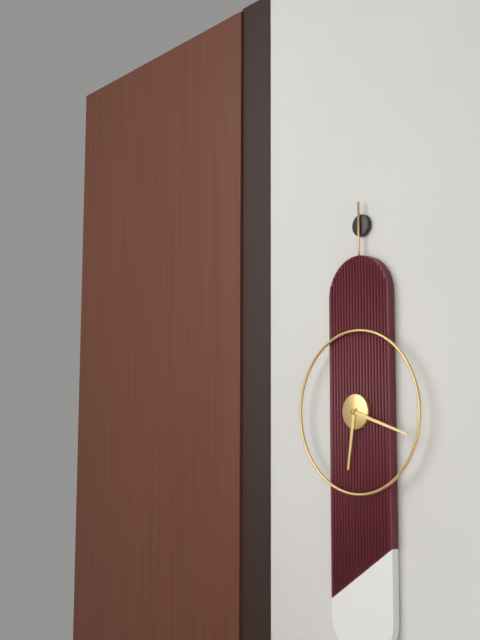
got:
6:18
